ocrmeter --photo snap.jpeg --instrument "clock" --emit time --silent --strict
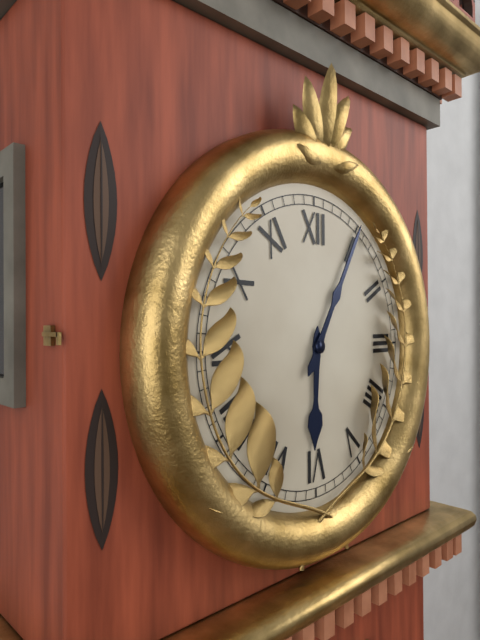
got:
6:05
